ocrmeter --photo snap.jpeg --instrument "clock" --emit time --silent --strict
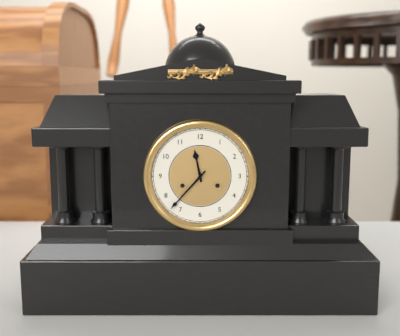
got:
11:37
